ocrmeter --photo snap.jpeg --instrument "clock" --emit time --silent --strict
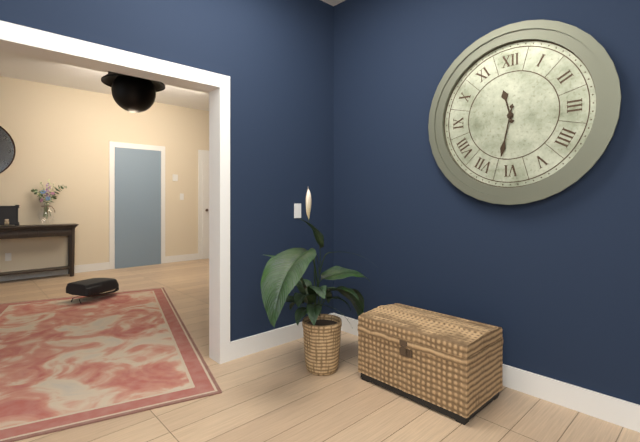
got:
11:32
